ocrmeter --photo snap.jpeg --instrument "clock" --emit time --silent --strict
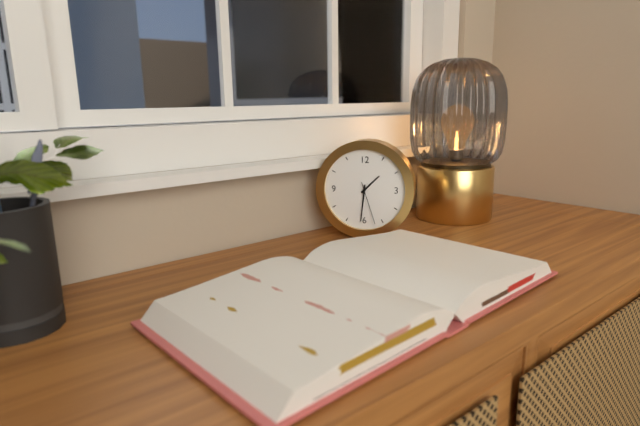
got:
1:31
